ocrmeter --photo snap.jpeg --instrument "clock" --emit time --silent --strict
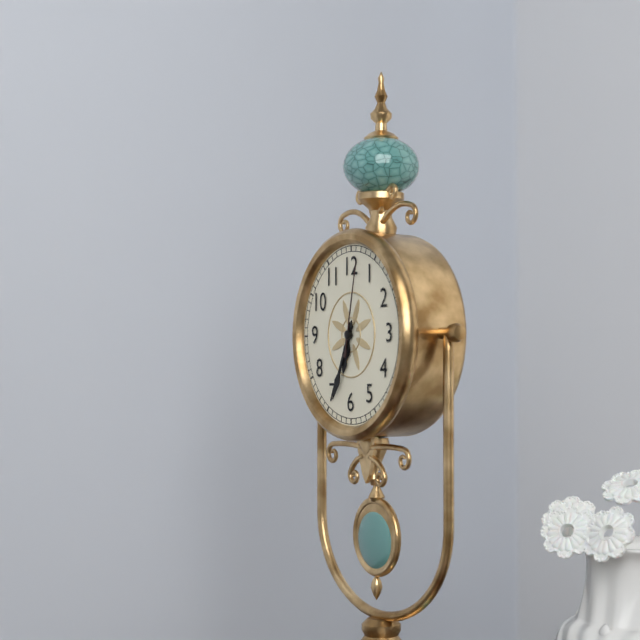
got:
6:34:02
